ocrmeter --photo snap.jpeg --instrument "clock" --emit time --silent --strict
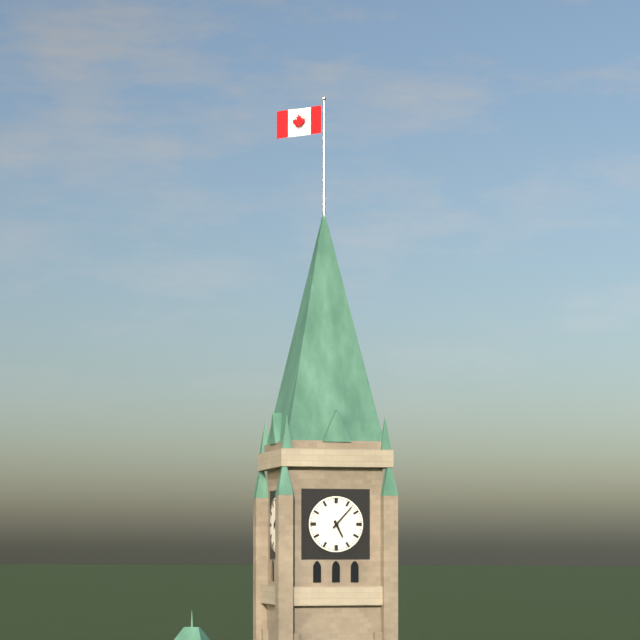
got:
5:07
